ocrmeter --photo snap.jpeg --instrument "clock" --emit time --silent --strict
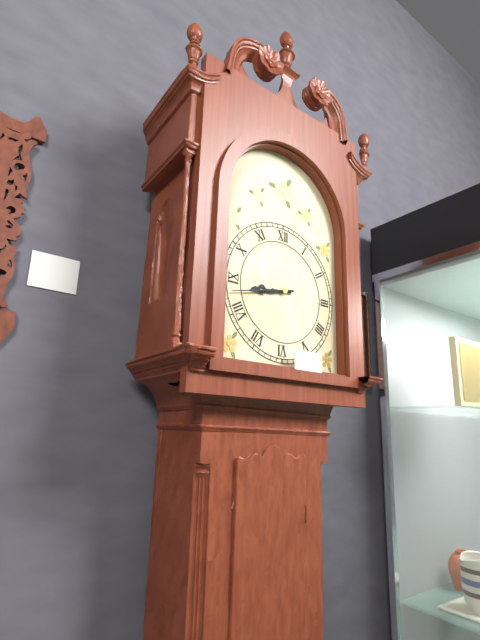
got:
8:43
